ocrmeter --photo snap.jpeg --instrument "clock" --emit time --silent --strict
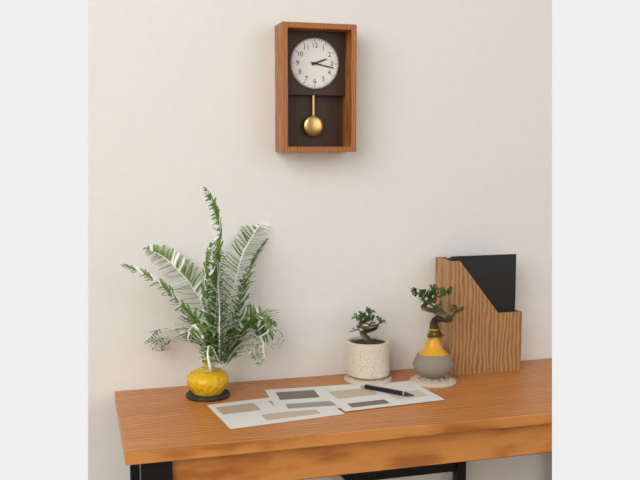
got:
2:17
